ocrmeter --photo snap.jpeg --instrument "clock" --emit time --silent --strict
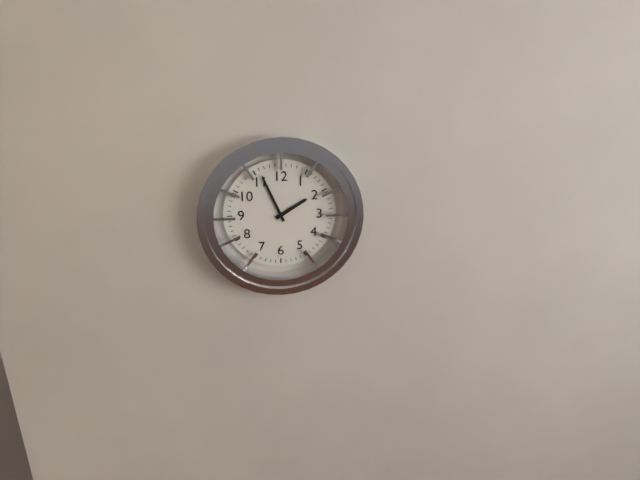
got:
1:56
